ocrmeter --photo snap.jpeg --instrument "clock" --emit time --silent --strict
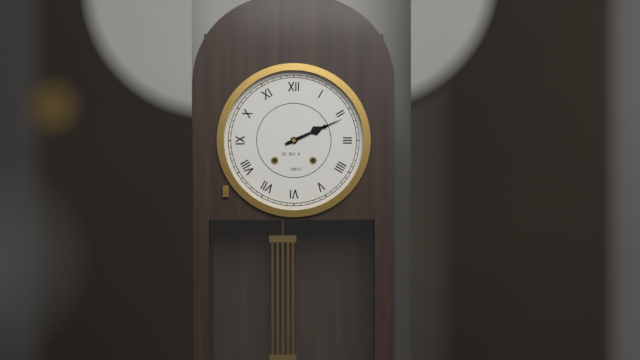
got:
2:11
